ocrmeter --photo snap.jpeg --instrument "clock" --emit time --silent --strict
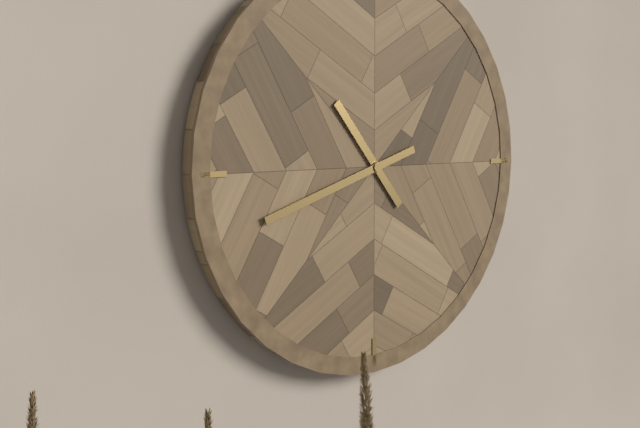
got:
10:42
